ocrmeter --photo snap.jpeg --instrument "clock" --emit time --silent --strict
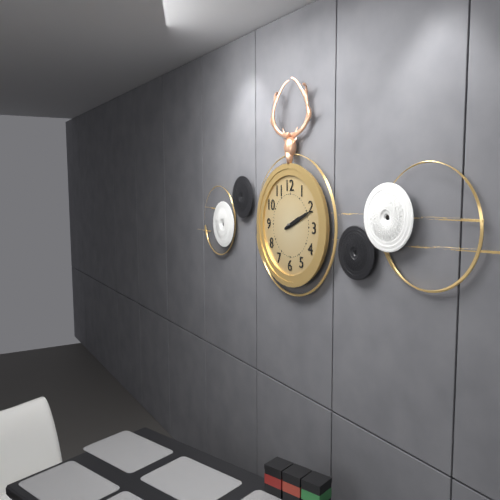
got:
2:11
